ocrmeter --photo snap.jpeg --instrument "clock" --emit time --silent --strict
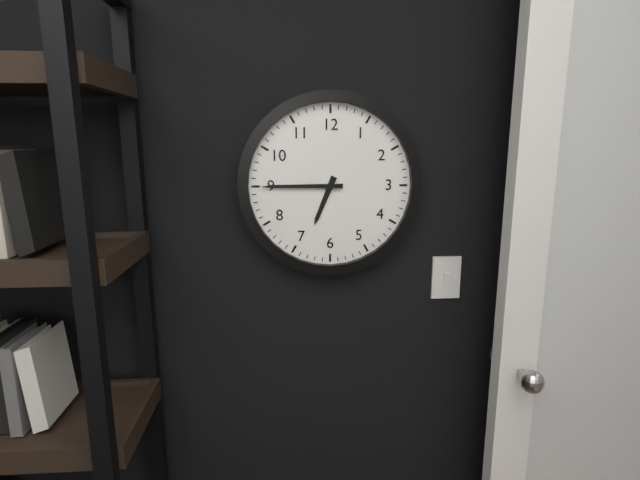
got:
6:45
